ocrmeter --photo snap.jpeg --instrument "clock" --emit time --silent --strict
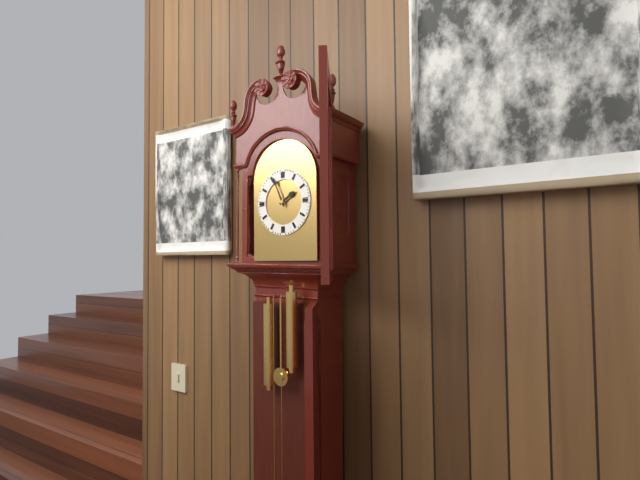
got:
1:56
